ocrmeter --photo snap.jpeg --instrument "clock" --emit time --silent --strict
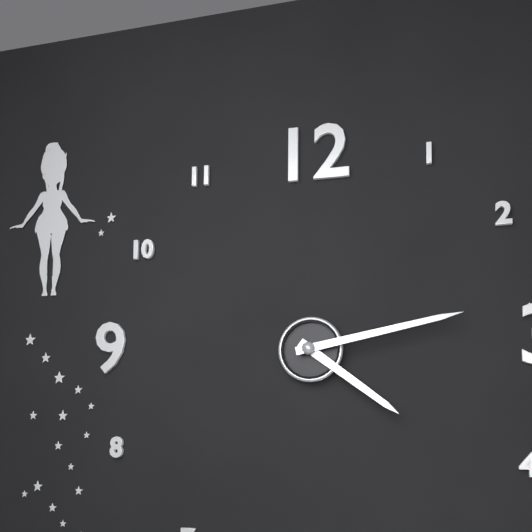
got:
4:13
